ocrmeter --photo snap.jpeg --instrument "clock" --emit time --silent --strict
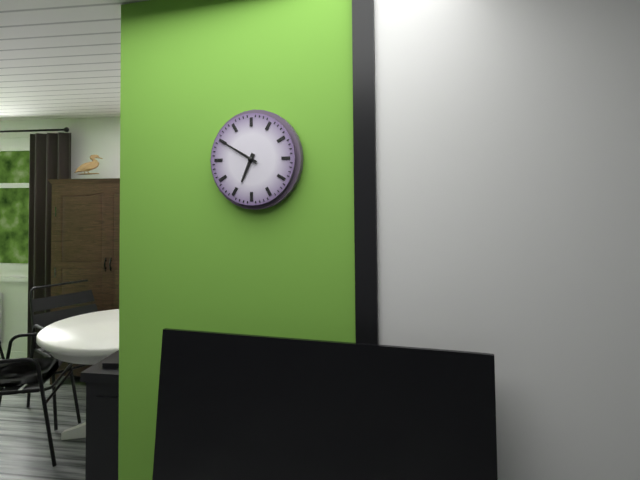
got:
6:50
